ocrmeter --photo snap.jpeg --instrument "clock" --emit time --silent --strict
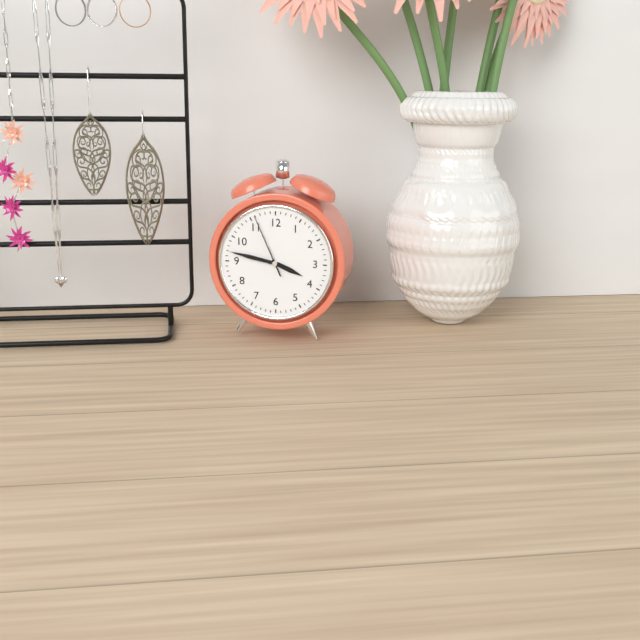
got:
3:47:56
